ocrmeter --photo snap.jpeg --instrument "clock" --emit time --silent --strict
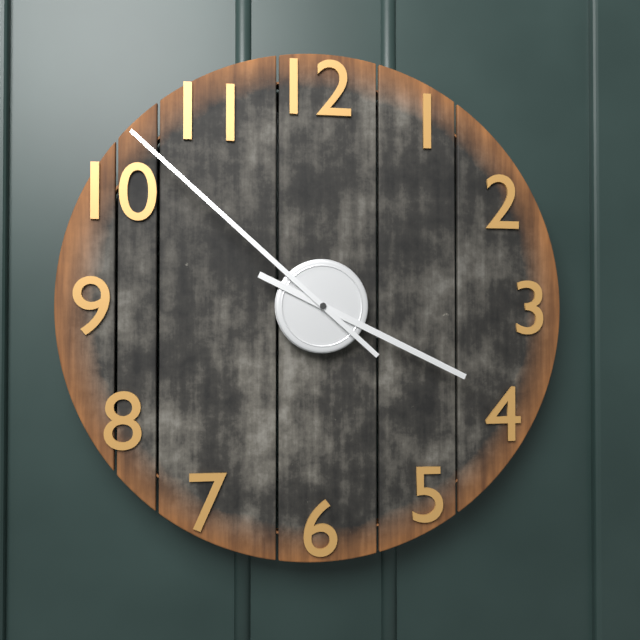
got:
3:52
